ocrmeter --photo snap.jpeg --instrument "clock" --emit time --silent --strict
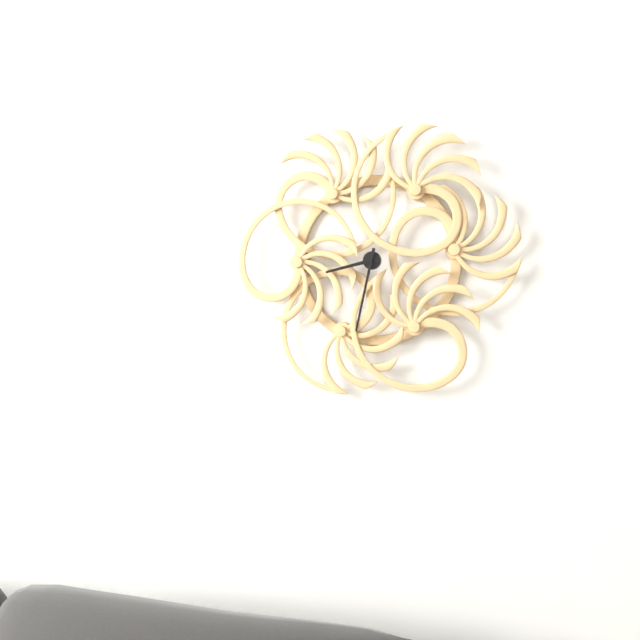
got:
8:32
